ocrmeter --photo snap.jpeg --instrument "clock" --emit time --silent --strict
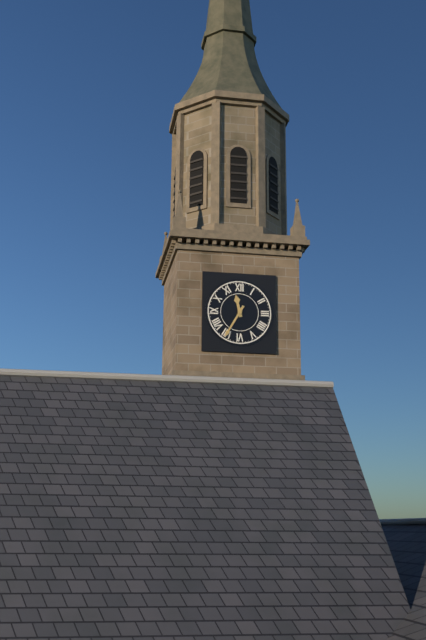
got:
11:35
